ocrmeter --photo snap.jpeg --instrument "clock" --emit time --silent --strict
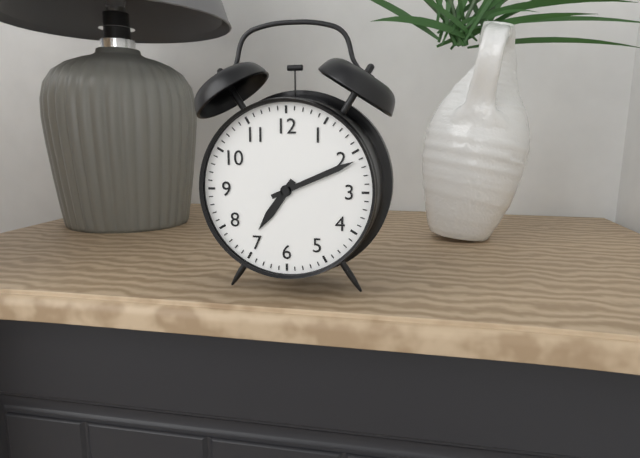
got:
7:11
